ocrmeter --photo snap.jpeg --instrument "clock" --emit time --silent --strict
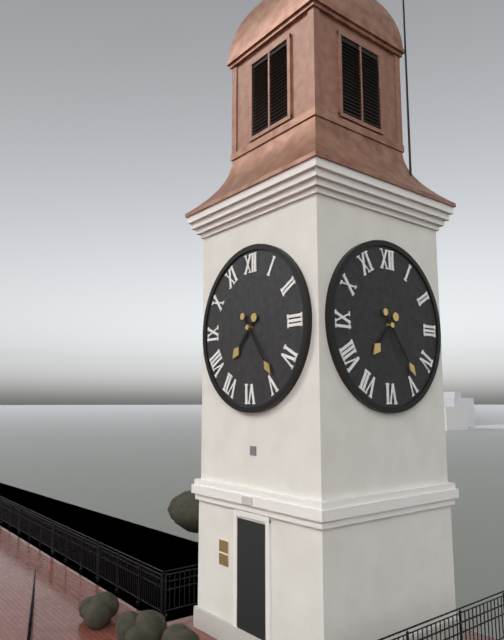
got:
7:24
